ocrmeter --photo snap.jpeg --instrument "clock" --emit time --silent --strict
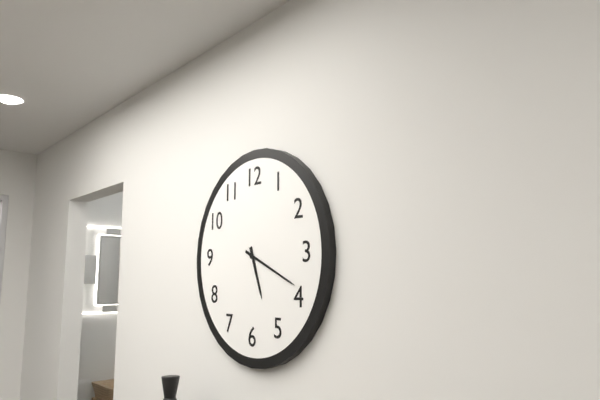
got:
5:19
